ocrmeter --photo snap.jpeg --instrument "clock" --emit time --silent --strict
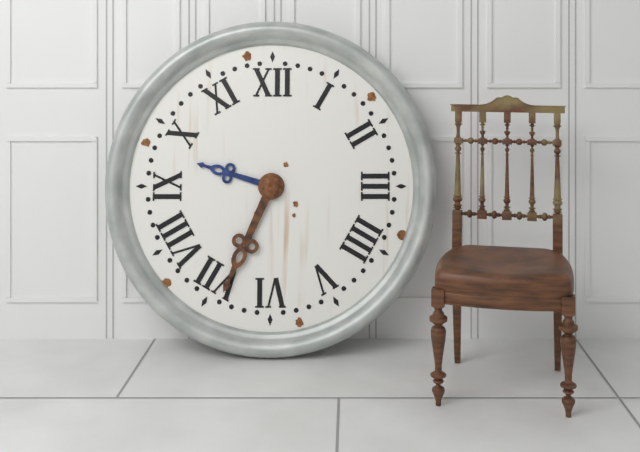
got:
9:34
